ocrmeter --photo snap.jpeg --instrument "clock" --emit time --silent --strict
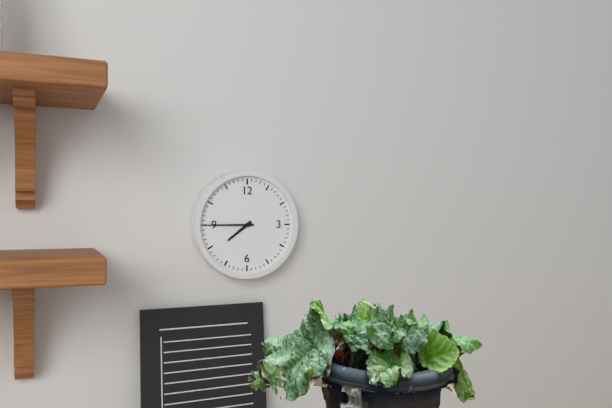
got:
7:45
